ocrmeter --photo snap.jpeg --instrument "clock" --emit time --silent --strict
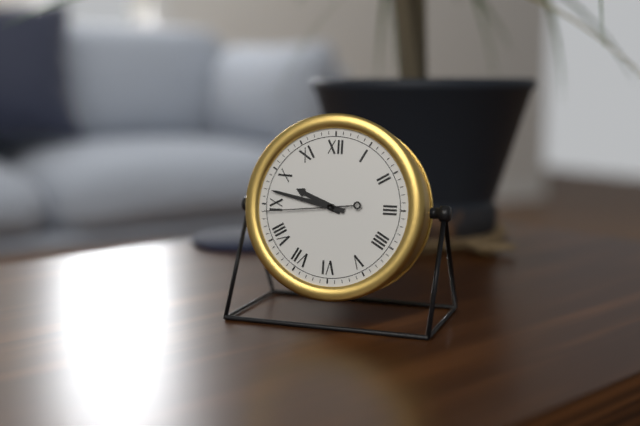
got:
9:47:44
